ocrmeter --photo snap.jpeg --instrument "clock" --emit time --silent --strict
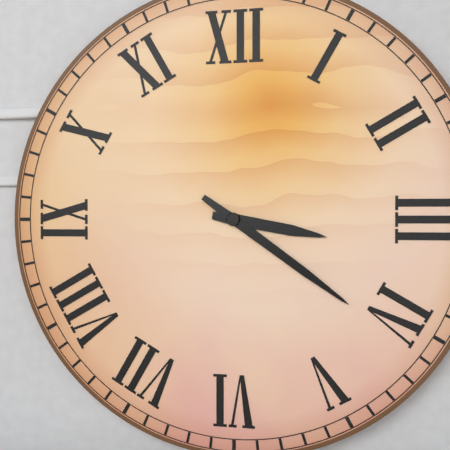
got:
3:21
